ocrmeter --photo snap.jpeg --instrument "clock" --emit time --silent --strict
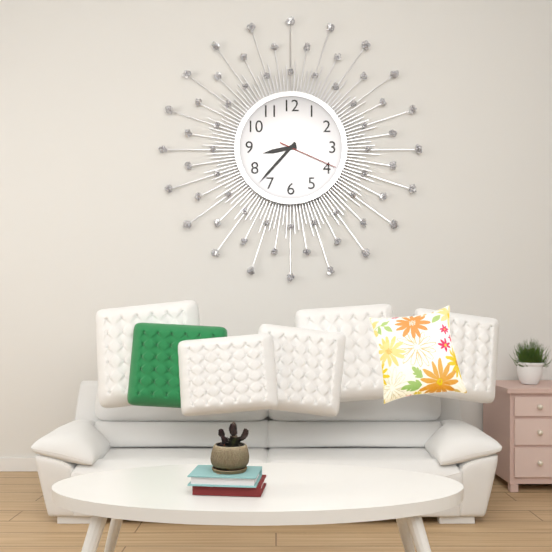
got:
8:37:19
